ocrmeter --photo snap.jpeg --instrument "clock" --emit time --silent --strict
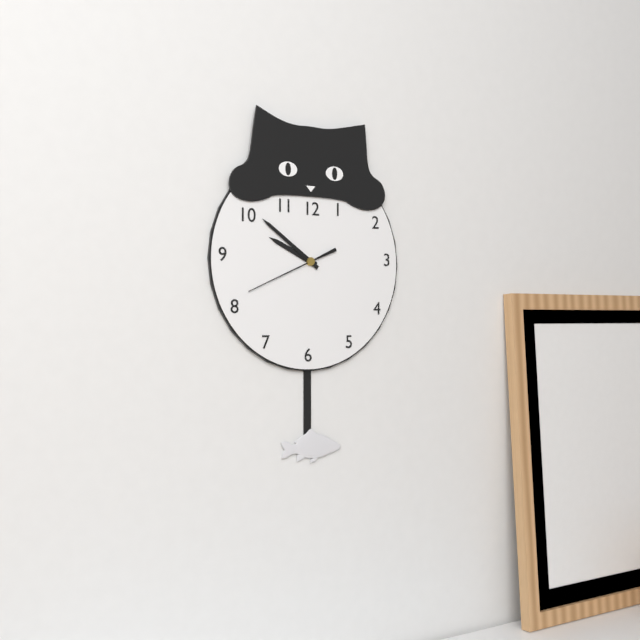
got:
9:51:41
